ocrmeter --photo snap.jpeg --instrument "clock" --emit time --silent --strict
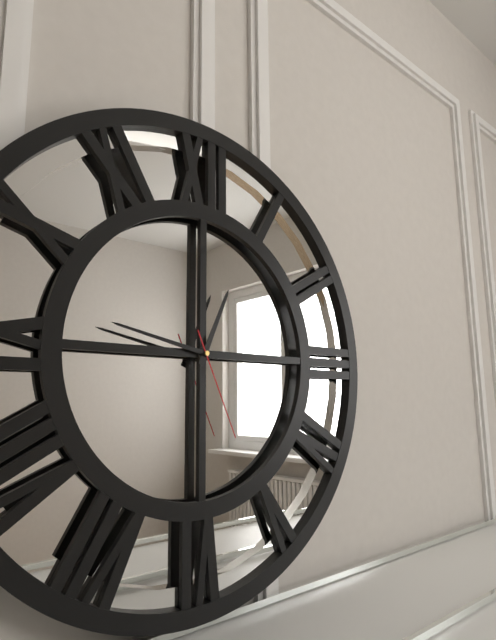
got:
12:47:26
